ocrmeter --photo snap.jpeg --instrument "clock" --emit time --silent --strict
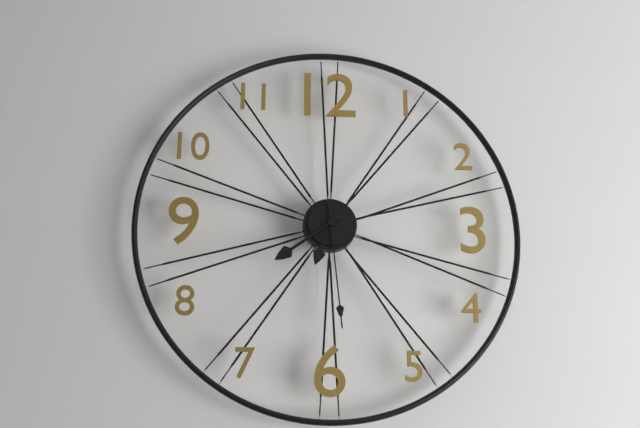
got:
6:39:29
